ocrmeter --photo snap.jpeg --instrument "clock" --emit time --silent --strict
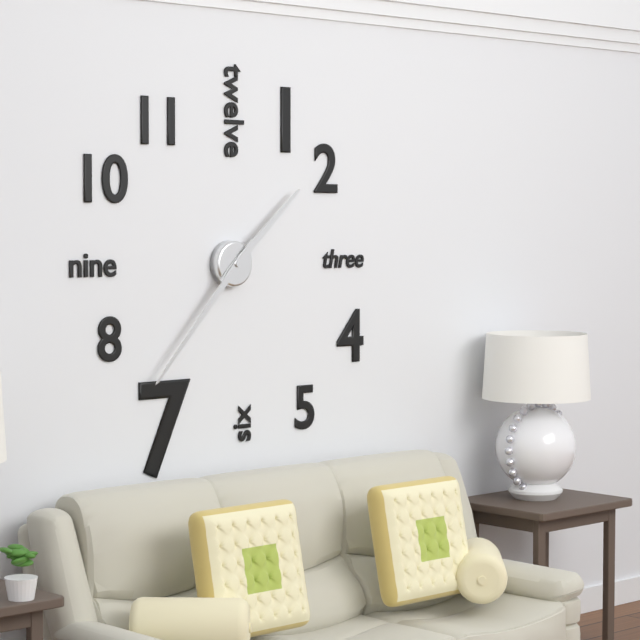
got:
1:37
